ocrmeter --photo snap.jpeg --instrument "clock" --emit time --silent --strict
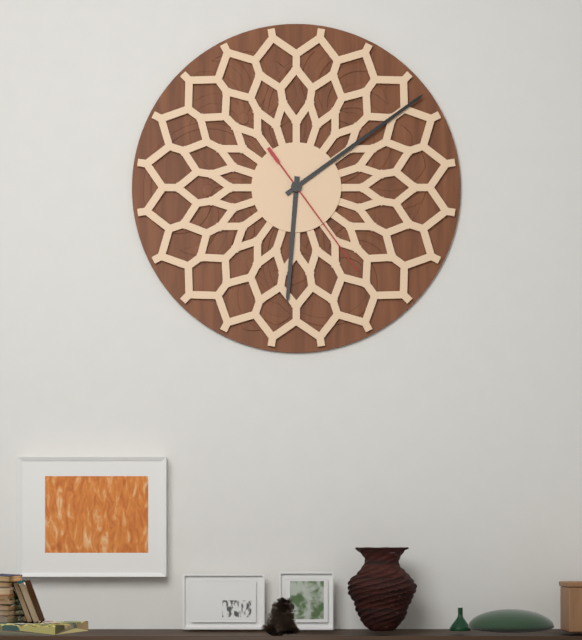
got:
6:09:24
